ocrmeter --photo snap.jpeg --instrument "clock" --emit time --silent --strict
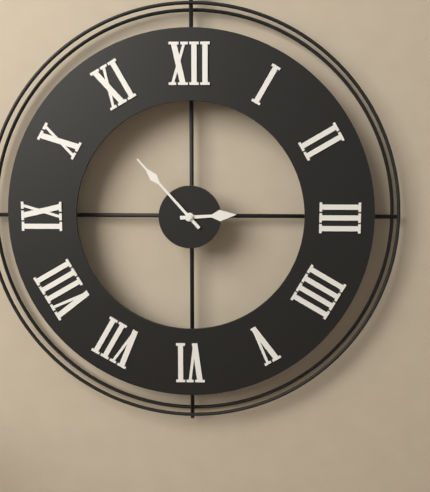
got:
2:53
